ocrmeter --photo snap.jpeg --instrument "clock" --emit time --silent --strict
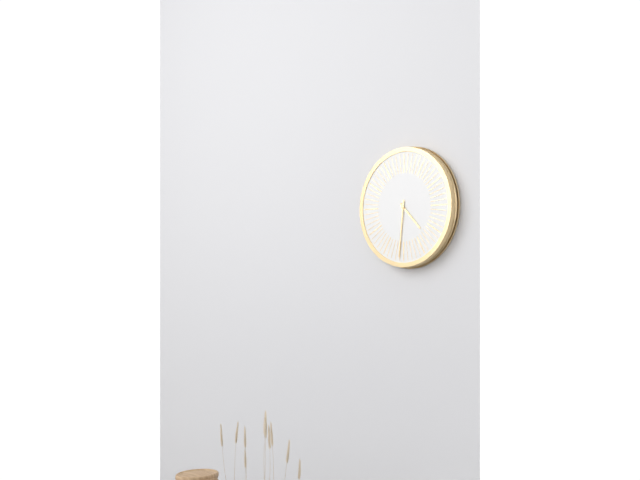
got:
4:31
